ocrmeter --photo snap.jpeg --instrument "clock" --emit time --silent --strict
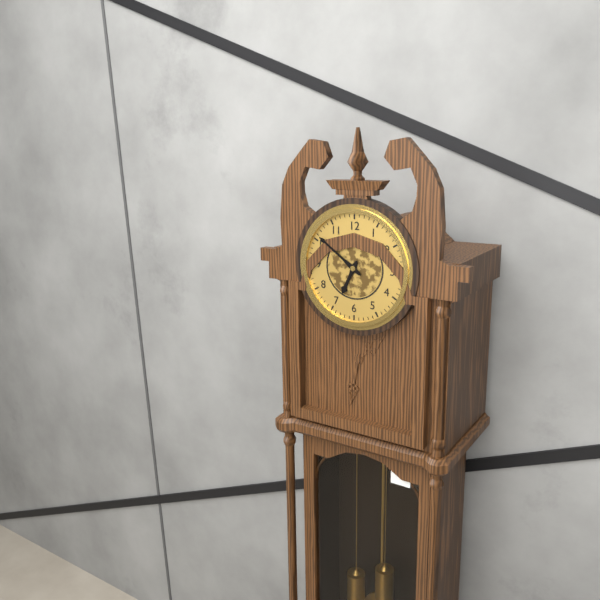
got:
6:51
